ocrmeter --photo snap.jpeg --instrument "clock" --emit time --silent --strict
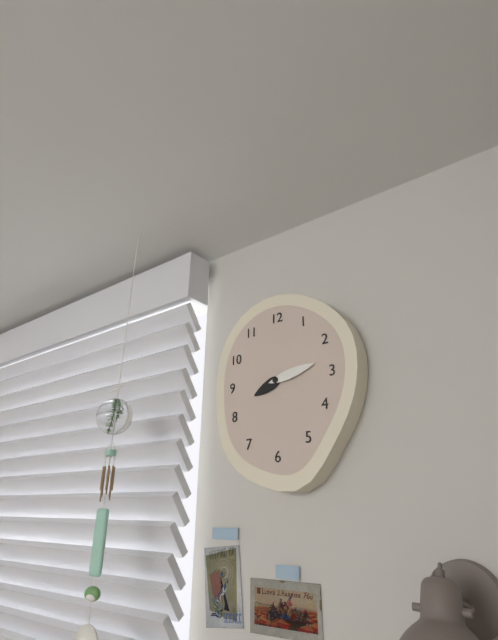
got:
8:13
